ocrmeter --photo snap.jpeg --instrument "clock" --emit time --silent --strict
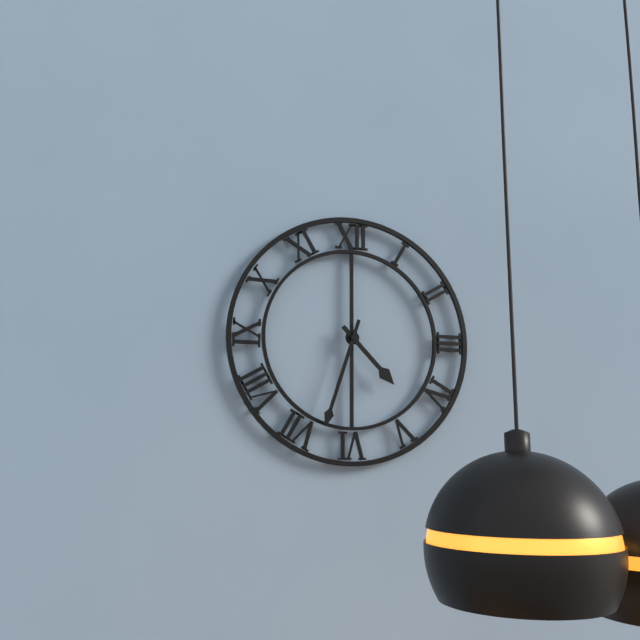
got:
4:33
